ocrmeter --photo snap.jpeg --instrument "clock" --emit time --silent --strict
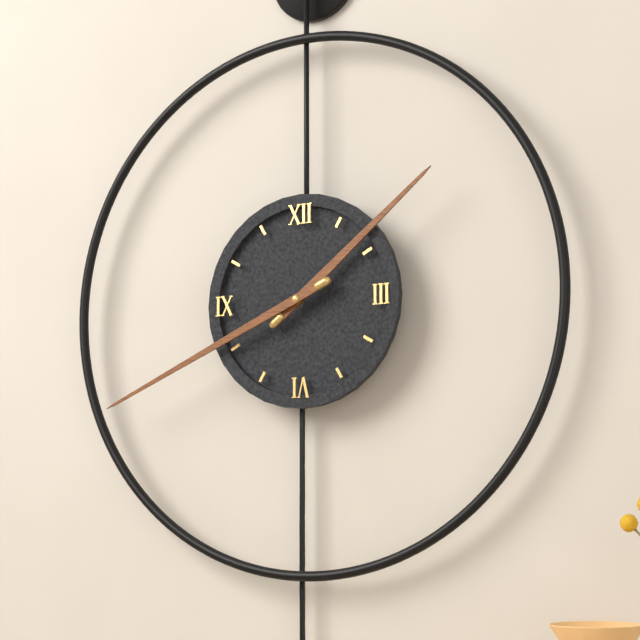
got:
1:41
